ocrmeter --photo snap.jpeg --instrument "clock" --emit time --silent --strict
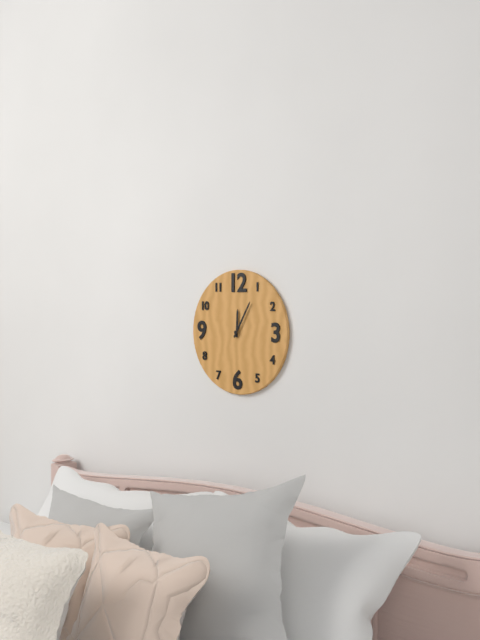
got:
12:05
